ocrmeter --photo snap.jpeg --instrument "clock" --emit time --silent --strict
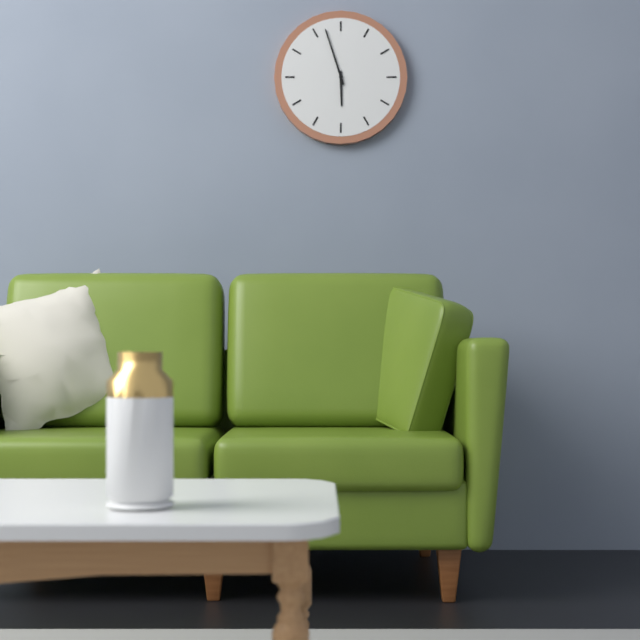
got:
5:57
